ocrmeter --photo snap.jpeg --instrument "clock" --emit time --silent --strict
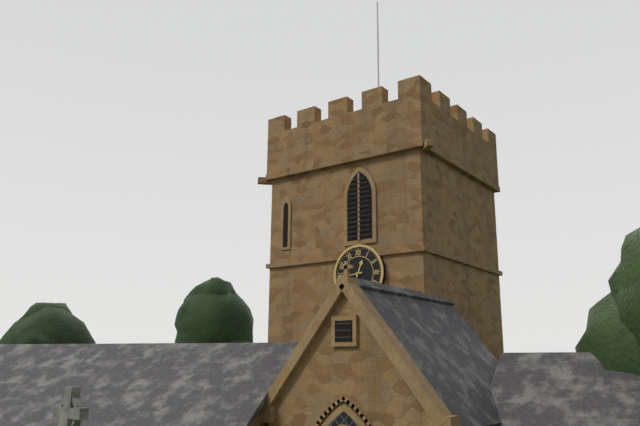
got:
12:44
